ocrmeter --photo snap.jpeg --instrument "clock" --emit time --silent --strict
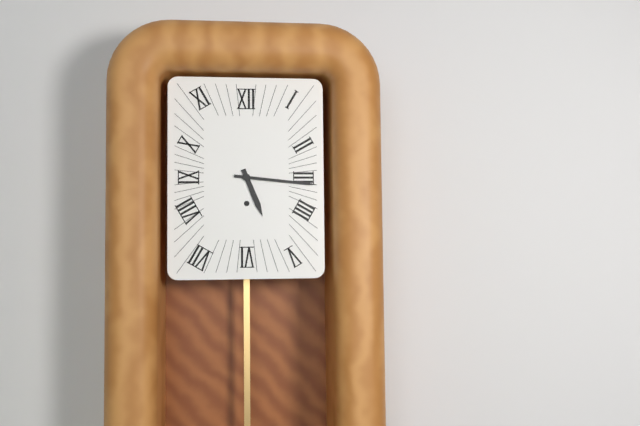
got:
5:16
